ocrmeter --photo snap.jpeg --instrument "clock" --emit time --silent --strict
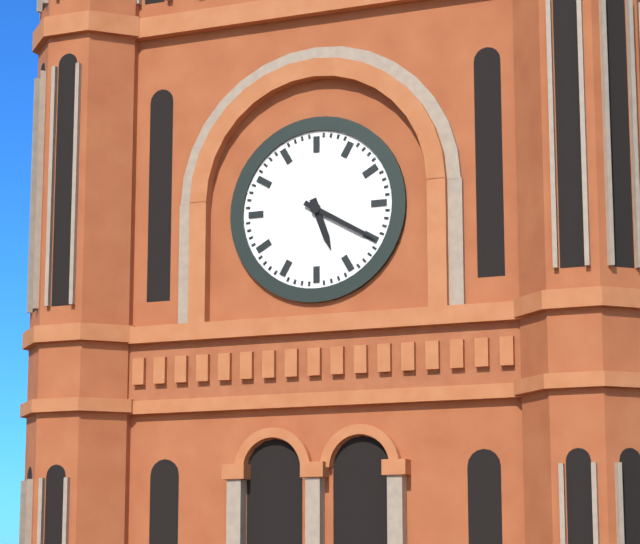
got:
5:20
